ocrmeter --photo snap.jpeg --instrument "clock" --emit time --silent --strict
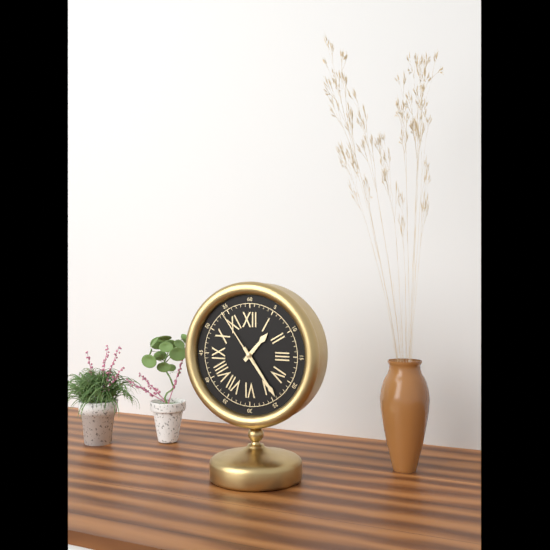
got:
1:24:54
